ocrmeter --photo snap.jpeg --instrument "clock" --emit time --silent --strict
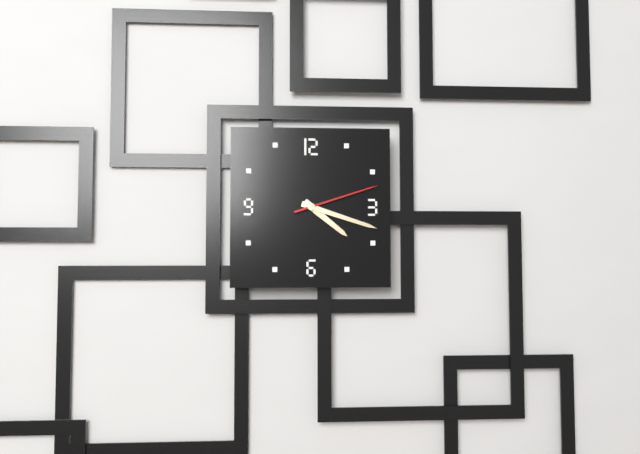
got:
4:18:12
